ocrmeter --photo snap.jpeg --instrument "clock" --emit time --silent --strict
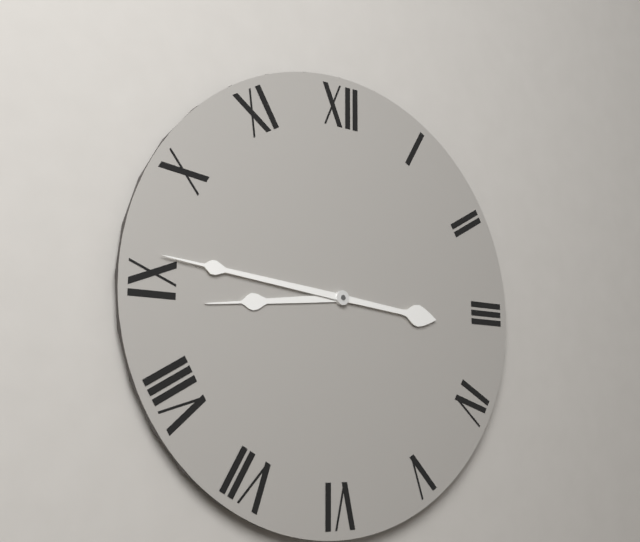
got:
8:46
